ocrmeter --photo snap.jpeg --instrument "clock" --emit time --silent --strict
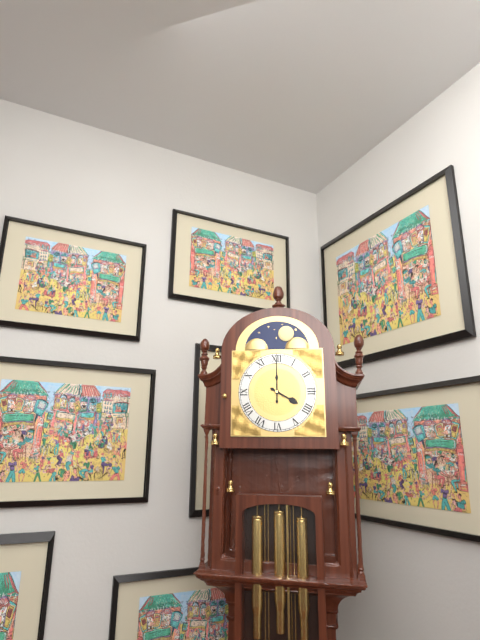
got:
4:00
